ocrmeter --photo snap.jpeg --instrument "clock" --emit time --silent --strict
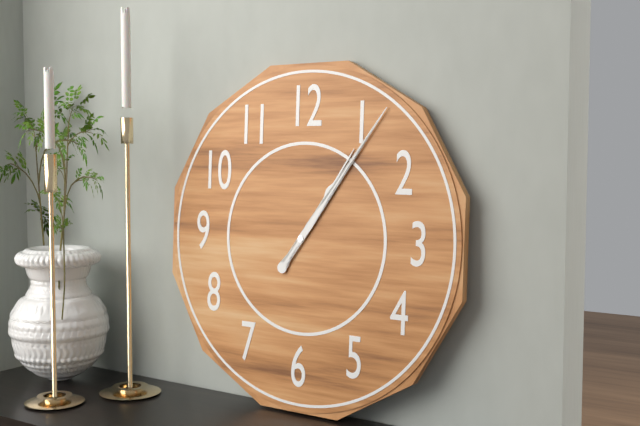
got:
1:06
